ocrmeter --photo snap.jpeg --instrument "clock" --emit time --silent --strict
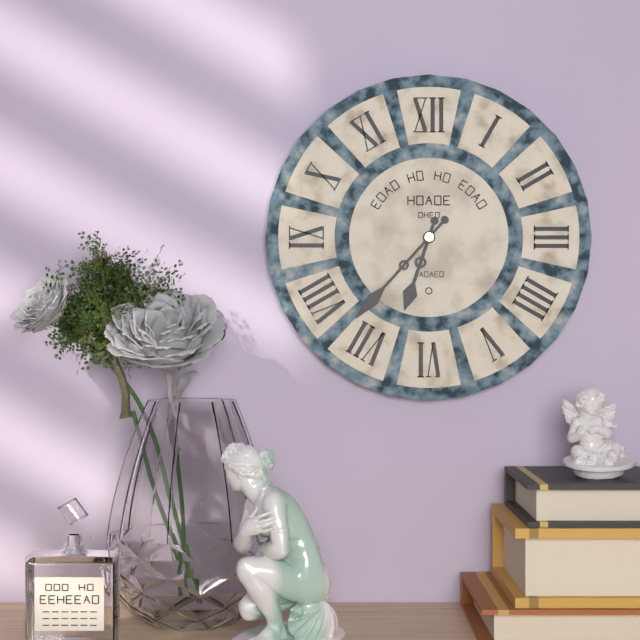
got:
6:37
